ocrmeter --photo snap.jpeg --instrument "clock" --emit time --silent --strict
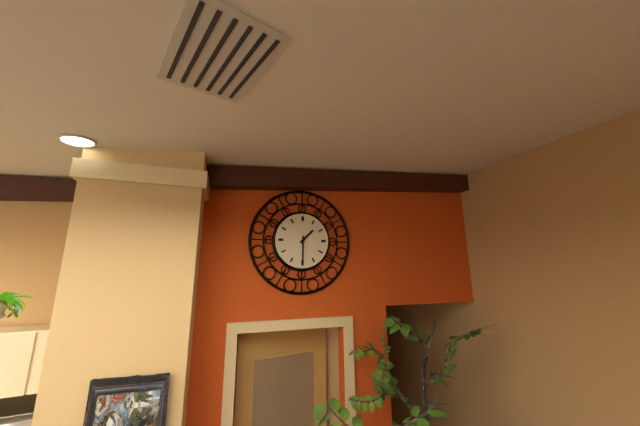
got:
1:30
